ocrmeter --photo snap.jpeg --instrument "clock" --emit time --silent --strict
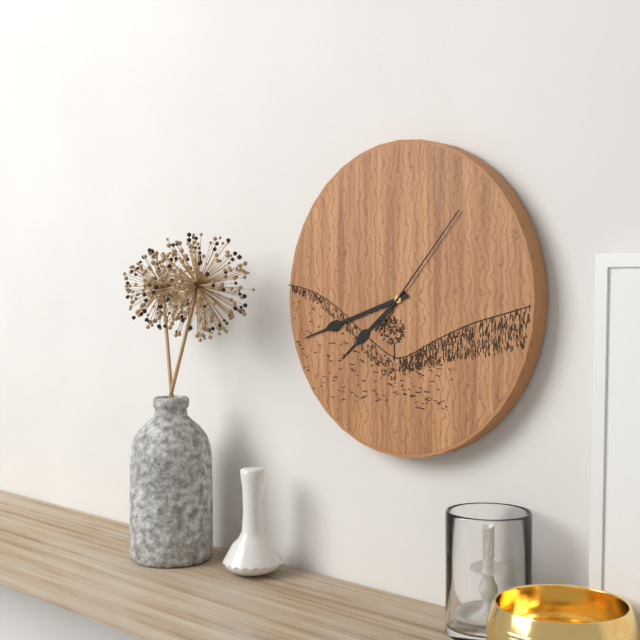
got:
7:42:07
